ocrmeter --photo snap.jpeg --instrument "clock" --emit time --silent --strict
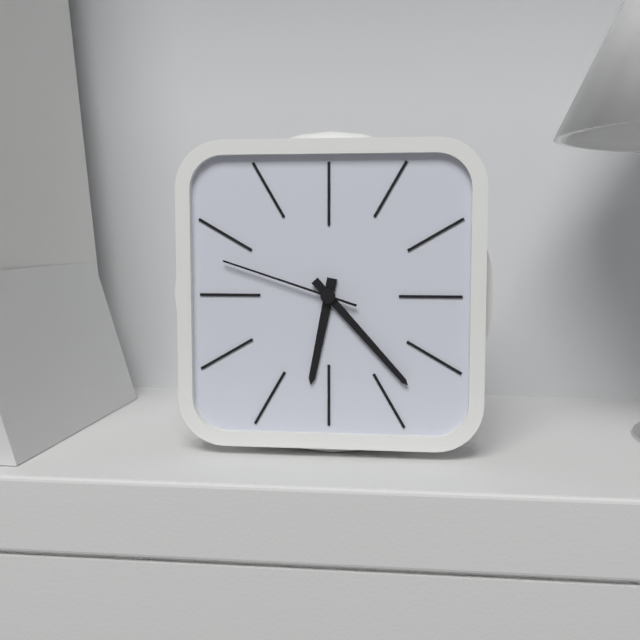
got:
6:23:48
